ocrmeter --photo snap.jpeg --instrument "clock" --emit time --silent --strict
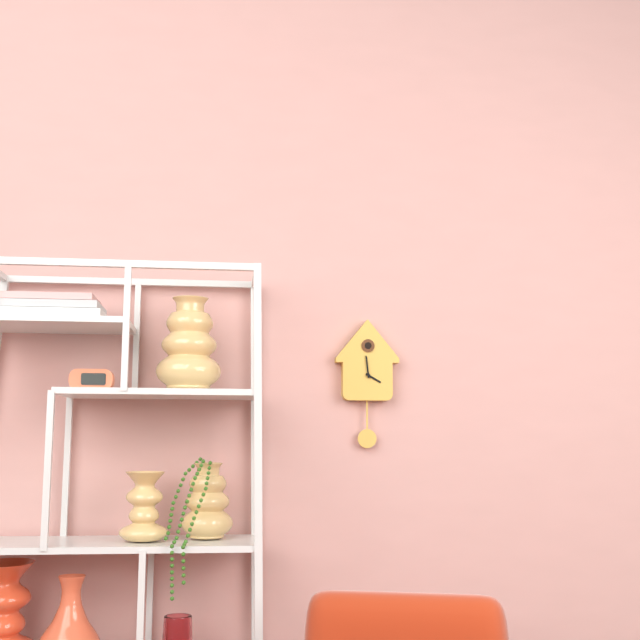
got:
3:59
